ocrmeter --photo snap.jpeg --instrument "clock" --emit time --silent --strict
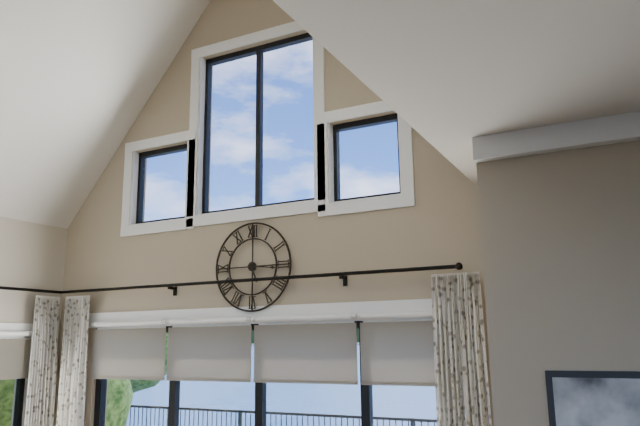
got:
5:16
